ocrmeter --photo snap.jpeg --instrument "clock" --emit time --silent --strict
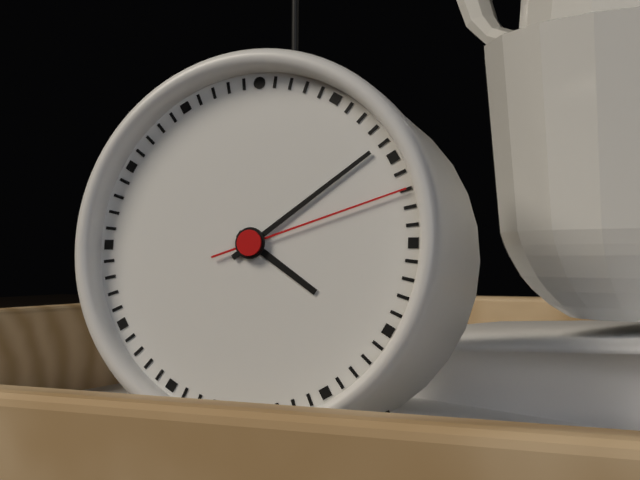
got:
4:09:12
